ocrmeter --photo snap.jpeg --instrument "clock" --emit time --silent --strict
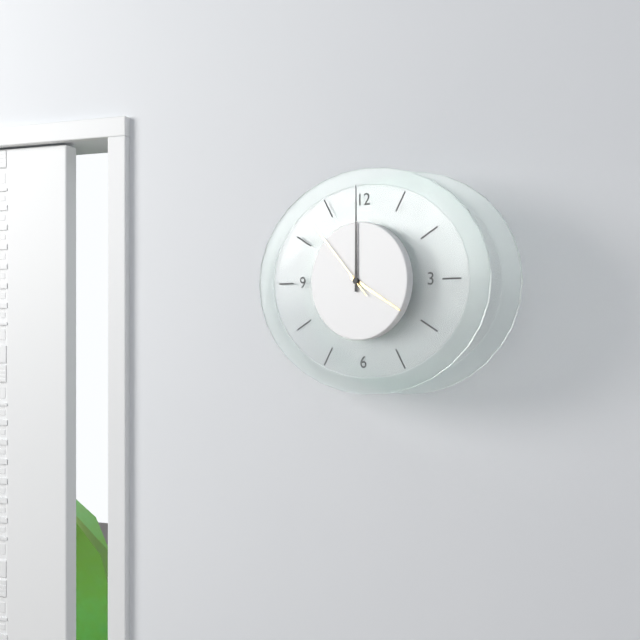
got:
4:00:53
